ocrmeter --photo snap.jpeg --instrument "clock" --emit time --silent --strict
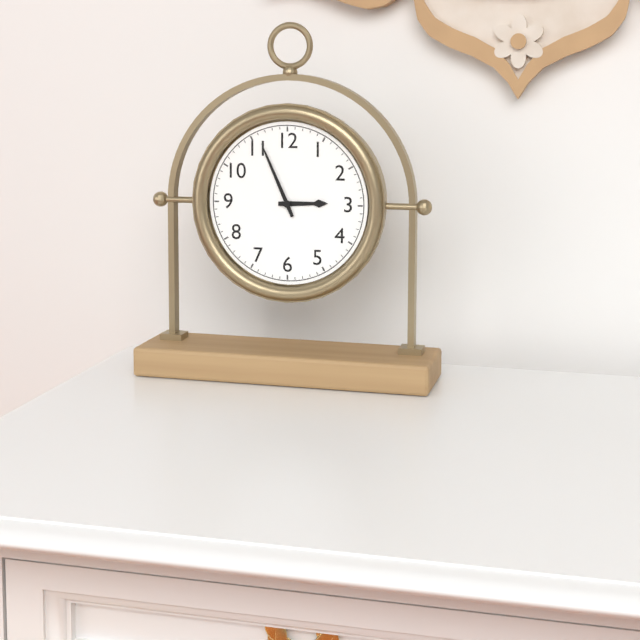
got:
2:56
